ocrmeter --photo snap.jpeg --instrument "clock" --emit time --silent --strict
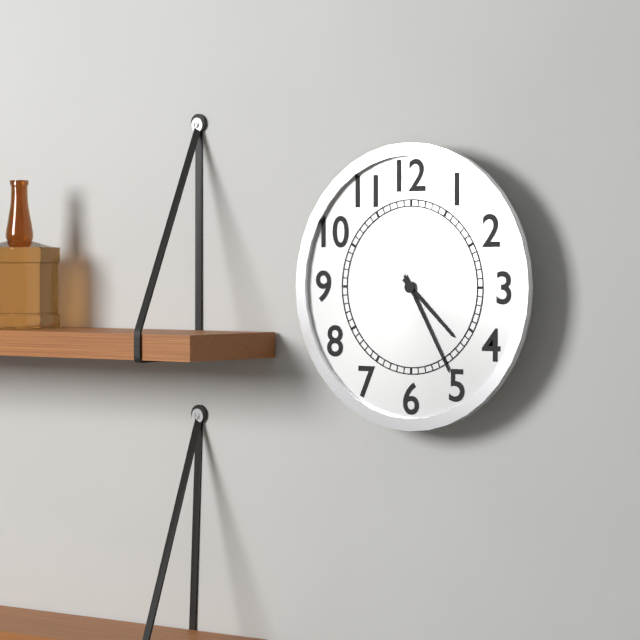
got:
4:25
